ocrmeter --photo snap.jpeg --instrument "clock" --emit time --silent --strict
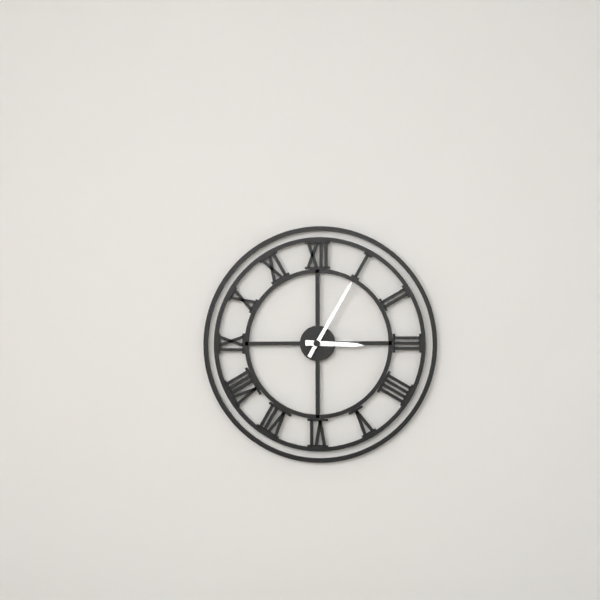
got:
3:05
